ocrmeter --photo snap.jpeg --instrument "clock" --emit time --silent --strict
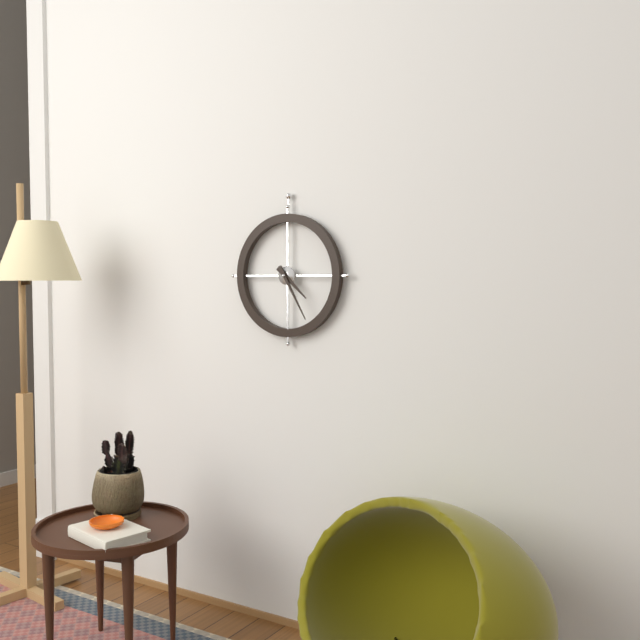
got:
4:25
